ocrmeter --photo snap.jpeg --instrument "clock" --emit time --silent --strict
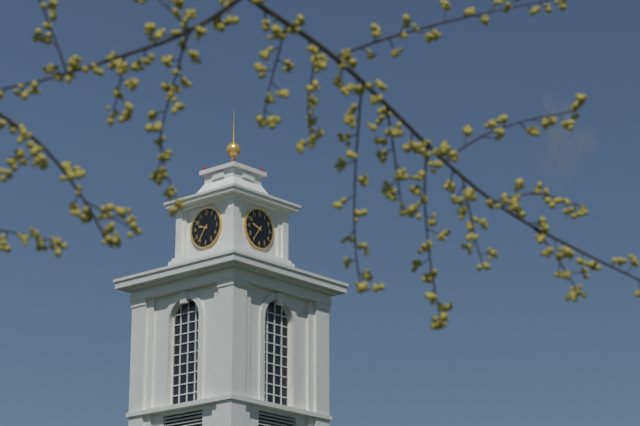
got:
9:36
